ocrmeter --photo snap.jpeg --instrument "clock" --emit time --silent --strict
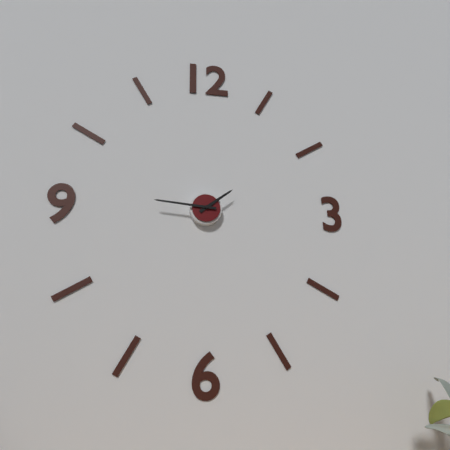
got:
1:46
